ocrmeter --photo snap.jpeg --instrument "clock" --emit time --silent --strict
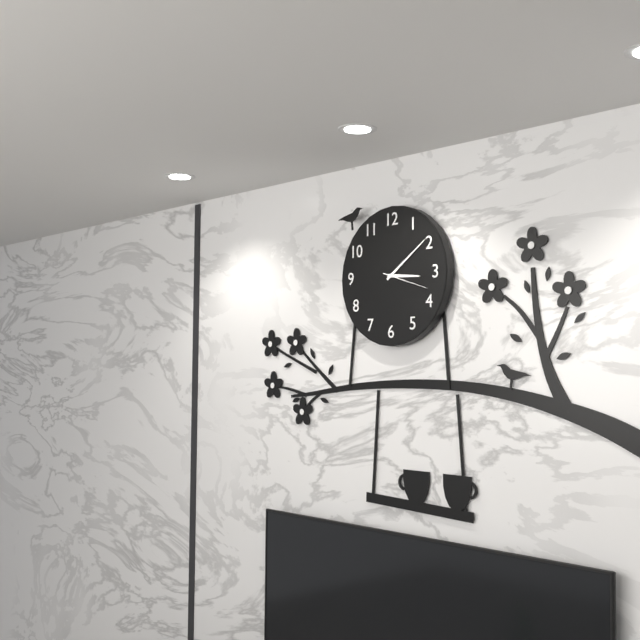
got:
3:09
